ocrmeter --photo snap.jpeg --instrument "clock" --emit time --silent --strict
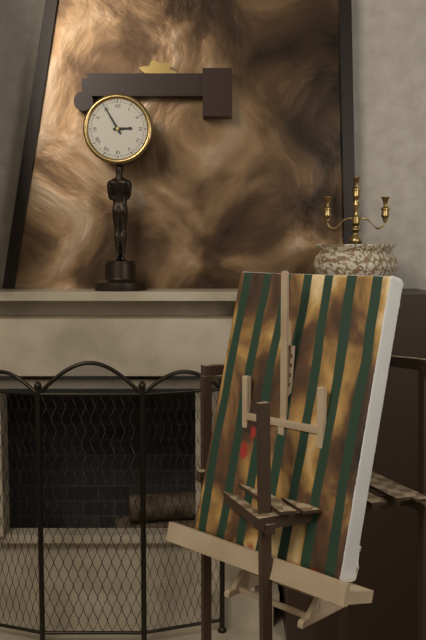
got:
2:55
